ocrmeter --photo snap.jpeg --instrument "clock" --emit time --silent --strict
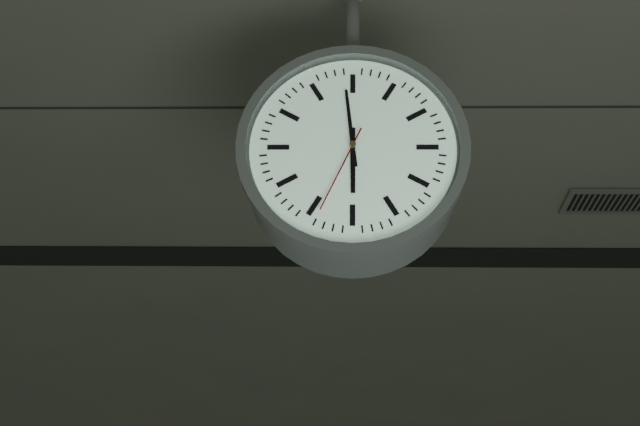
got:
5:59:34
